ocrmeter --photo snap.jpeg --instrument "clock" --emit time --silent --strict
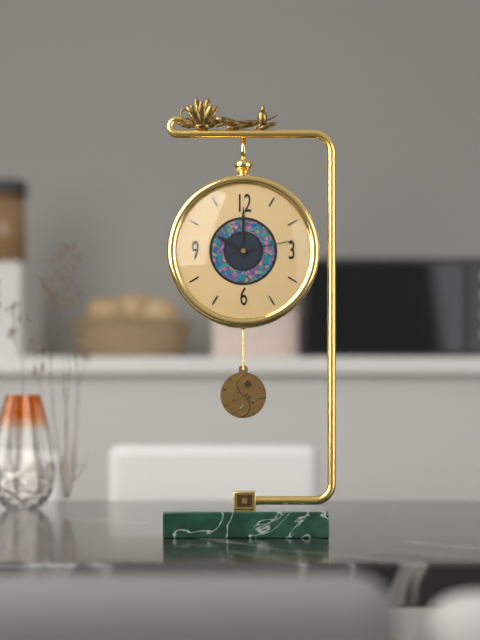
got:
10:00:13
